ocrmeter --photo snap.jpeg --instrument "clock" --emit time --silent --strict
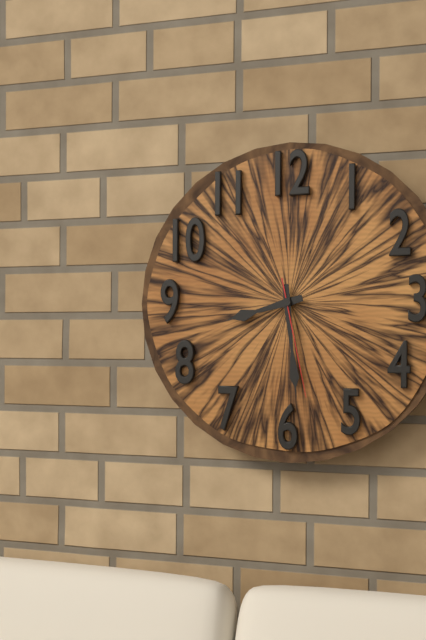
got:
8:29:28
